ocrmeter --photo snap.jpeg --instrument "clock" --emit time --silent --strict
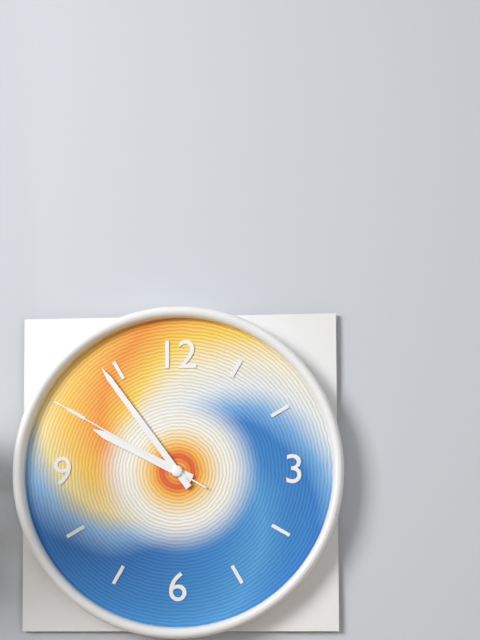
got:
9:54:50
